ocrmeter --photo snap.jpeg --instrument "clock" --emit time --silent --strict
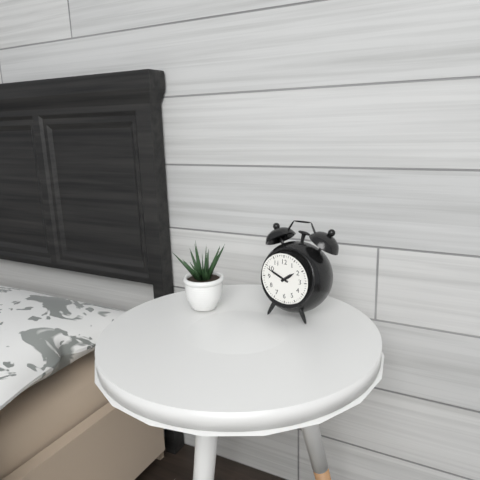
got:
1:49
